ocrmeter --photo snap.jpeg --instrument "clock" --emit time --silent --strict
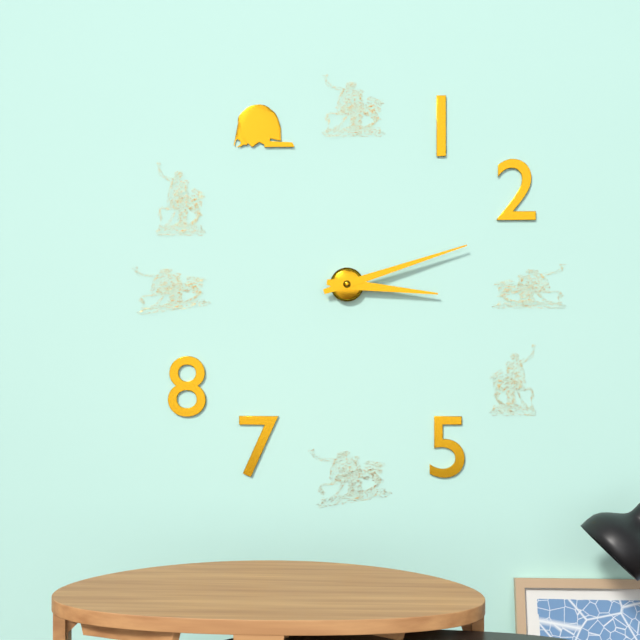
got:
3:12
